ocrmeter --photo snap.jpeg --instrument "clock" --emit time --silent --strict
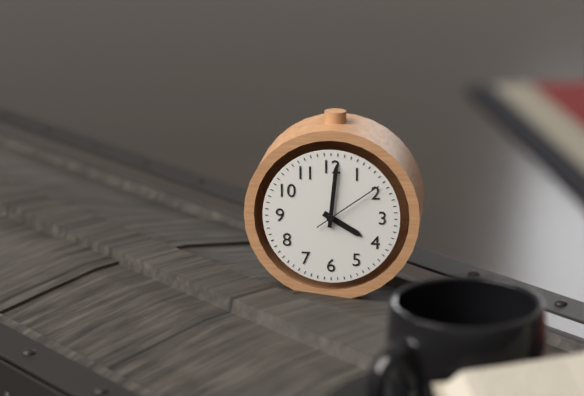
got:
4:01:09
